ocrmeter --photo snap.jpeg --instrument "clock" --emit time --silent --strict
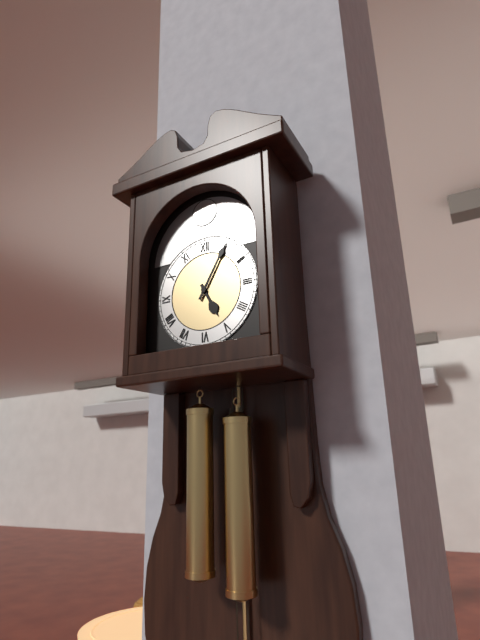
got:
5:05
